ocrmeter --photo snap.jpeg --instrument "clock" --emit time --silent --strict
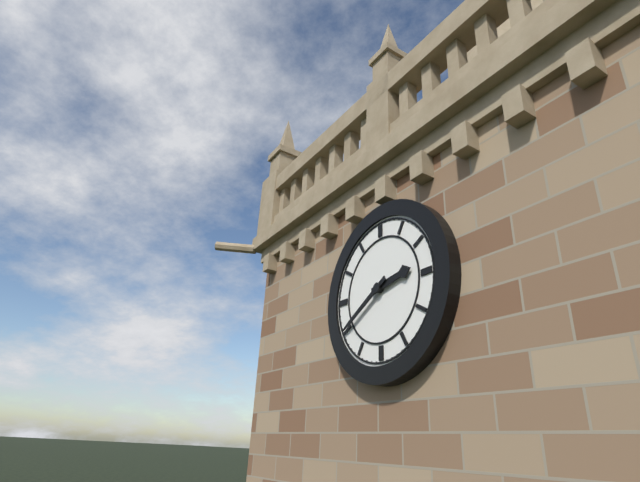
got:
2:40
